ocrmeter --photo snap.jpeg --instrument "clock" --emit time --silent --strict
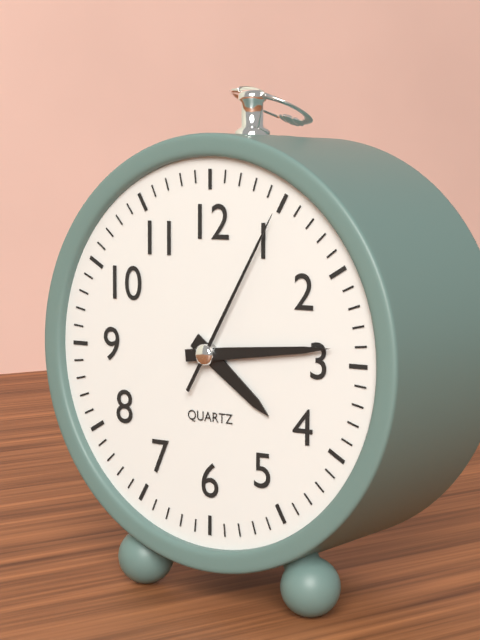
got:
4:14:05
